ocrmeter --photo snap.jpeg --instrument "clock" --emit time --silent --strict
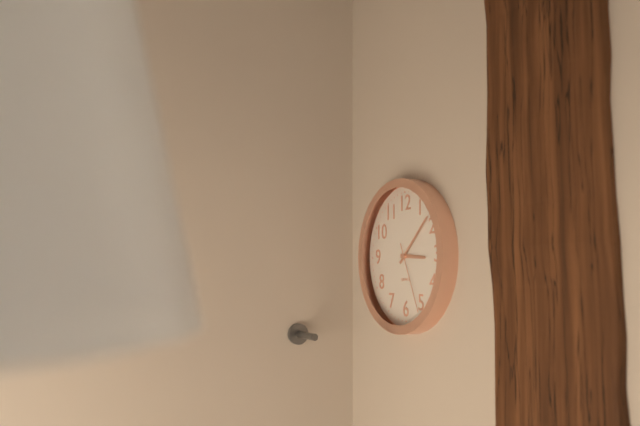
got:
3:08:26
